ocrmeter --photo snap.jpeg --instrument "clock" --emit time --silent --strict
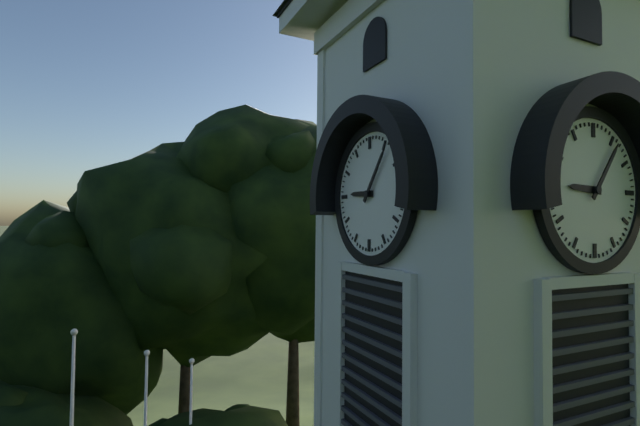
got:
9:06
